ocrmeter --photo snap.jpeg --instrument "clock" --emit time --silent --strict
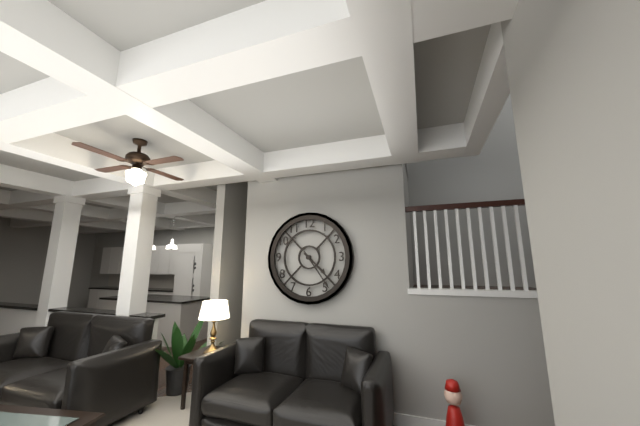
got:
4:24
